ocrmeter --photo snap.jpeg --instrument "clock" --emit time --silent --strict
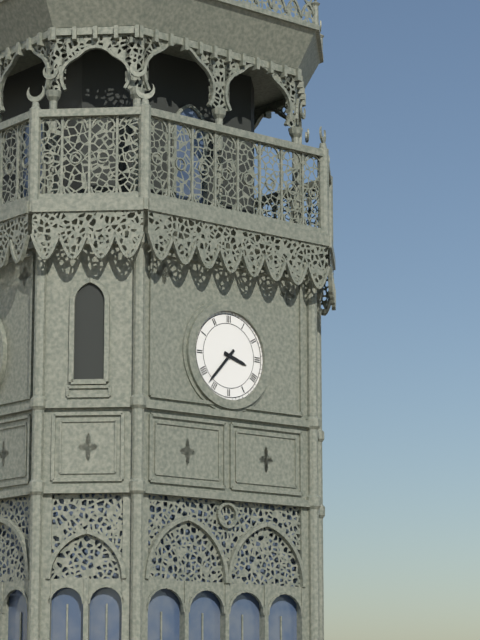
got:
3:37
